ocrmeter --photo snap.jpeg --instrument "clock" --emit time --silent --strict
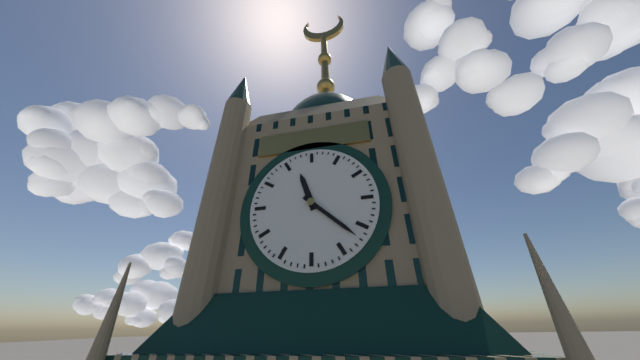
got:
11:22
